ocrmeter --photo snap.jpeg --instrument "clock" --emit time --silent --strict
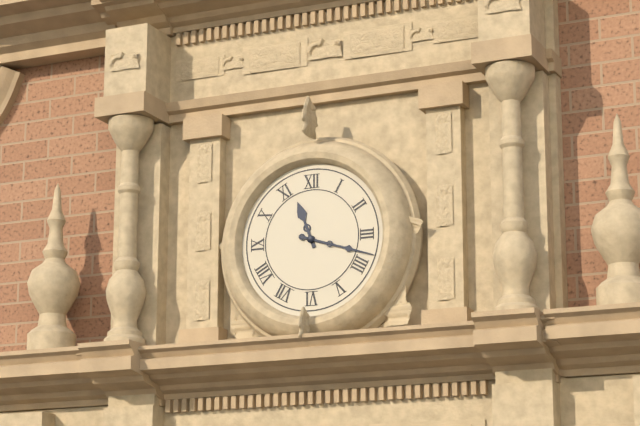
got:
11:18
